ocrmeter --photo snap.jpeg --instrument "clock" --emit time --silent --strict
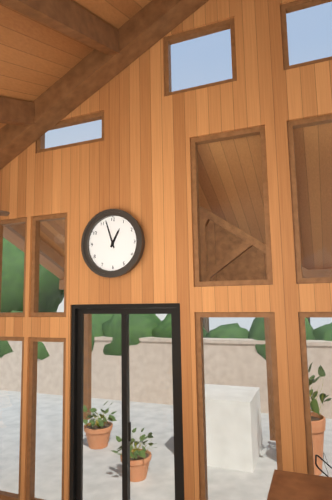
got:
12:57
